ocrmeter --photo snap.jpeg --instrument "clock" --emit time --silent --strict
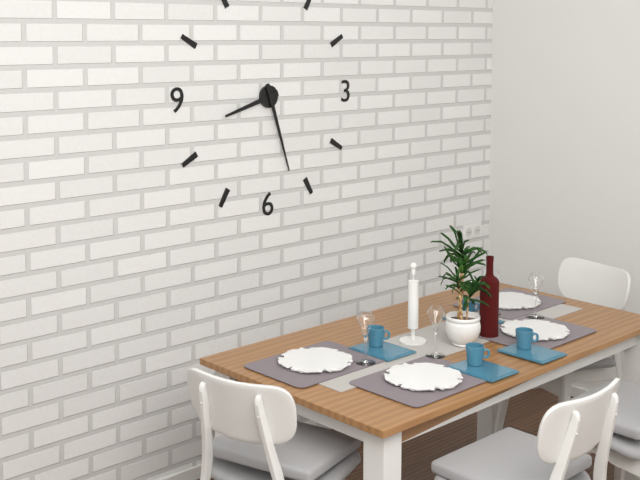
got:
8:27
